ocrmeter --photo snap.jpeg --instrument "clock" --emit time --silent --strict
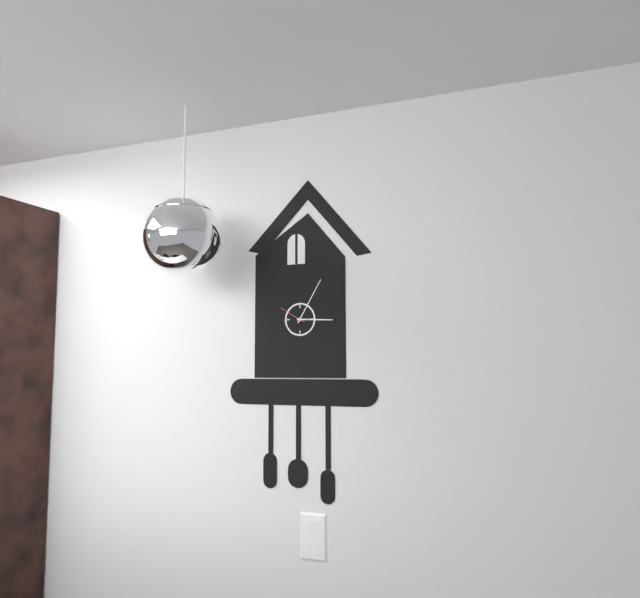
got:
3:05
